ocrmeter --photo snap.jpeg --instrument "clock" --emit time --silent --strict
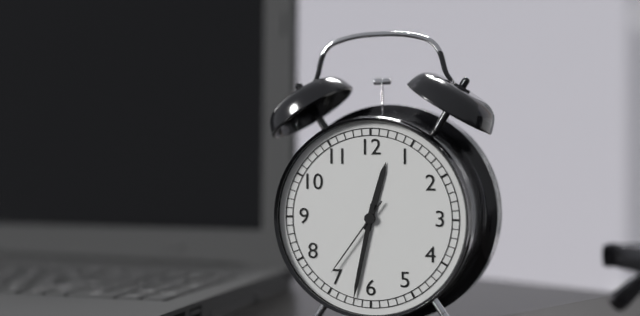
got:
12:32:36
